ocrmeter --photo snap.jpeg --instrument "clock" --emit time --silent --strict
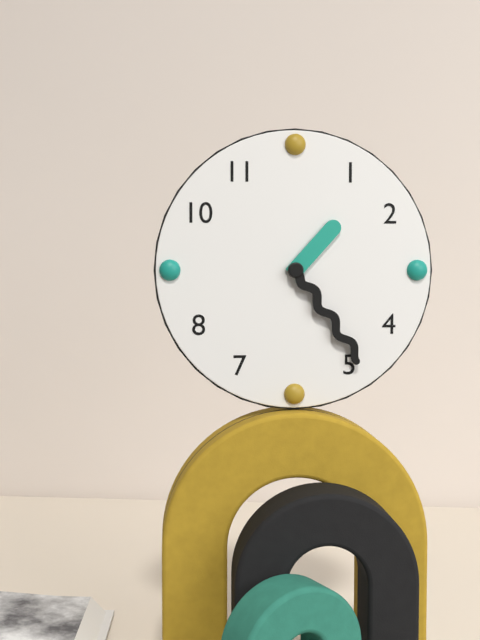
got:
1:24
